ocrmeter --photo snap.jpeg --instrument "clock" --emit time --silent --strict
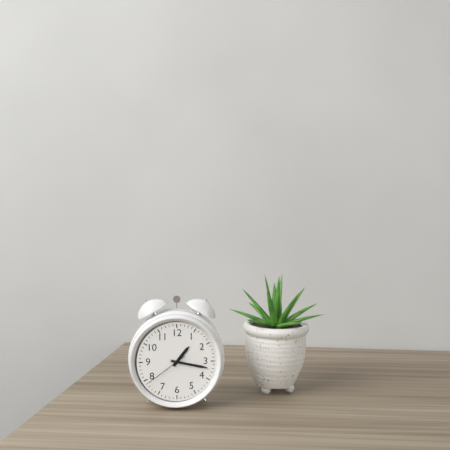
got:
1:17
